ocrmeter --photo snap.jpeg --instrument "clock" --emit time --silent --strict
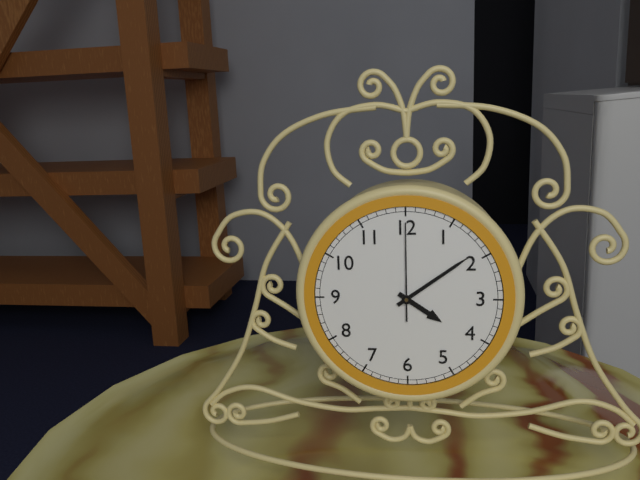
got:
4:09:00
